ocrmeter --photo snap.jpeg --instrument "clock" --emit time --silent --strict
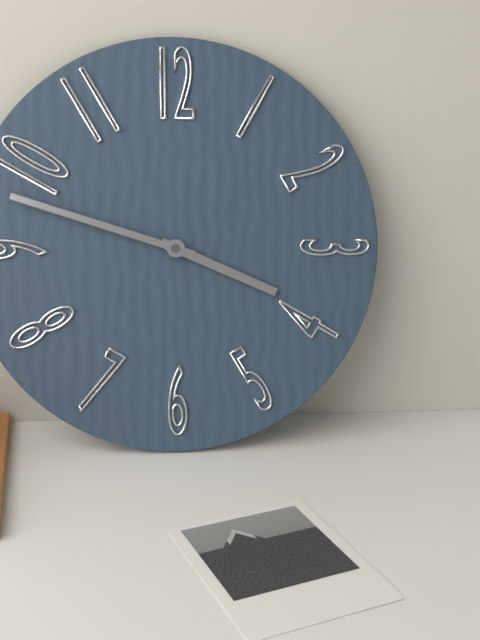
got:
3:48
